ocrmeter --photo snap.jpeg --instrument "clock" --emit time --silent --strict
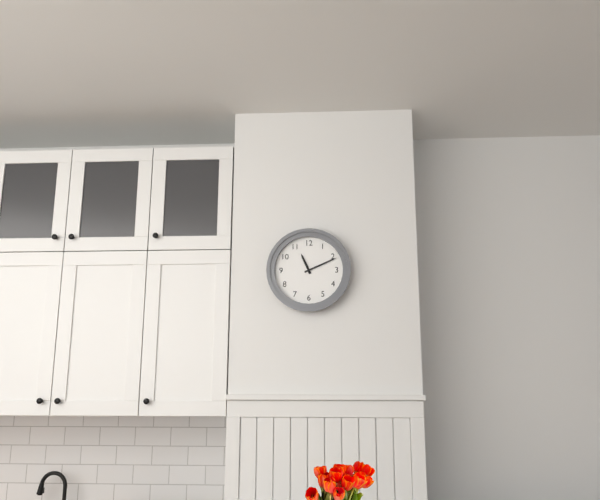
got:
11:11
